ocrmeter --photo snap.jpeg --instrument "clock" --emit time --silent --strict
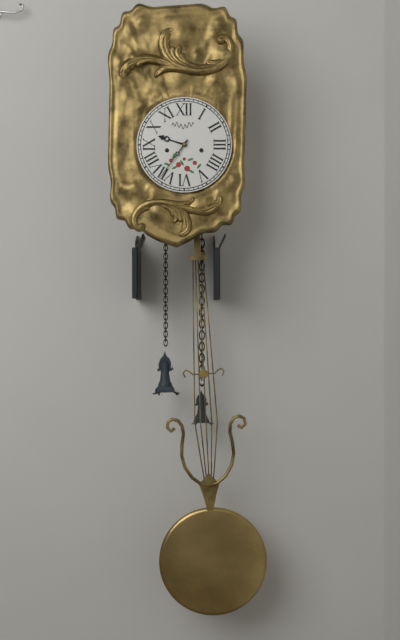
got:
9:36
